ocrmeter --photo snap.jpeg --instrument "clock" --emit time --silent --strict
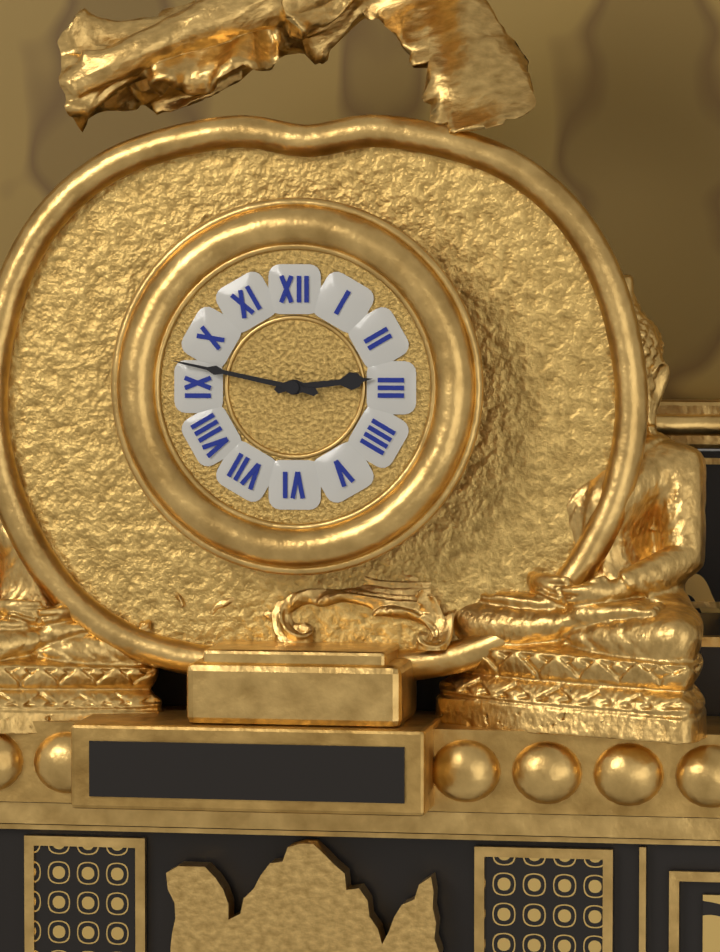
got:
2:47
